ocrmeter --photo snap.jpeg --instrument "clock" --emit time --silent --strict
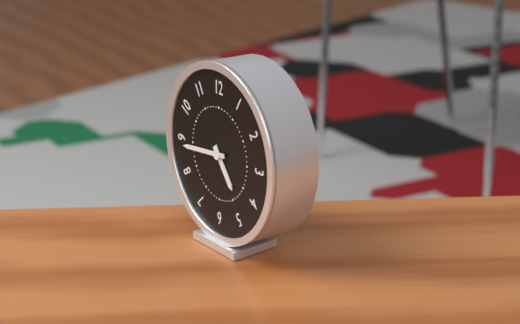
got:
4:44
